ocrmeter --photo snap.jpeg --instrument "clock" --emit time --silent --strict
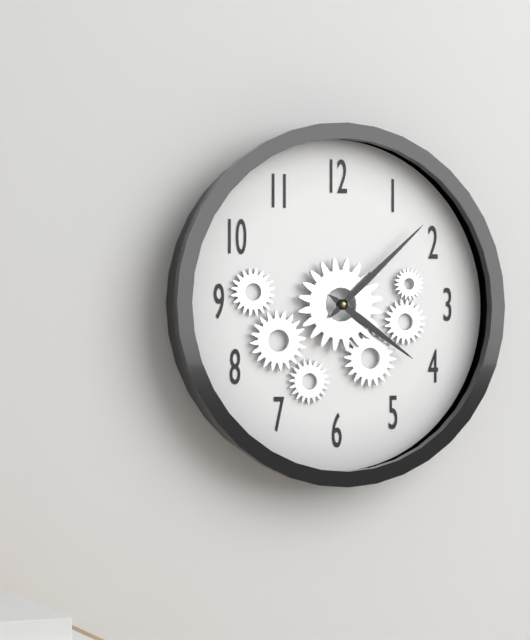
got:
4:08
